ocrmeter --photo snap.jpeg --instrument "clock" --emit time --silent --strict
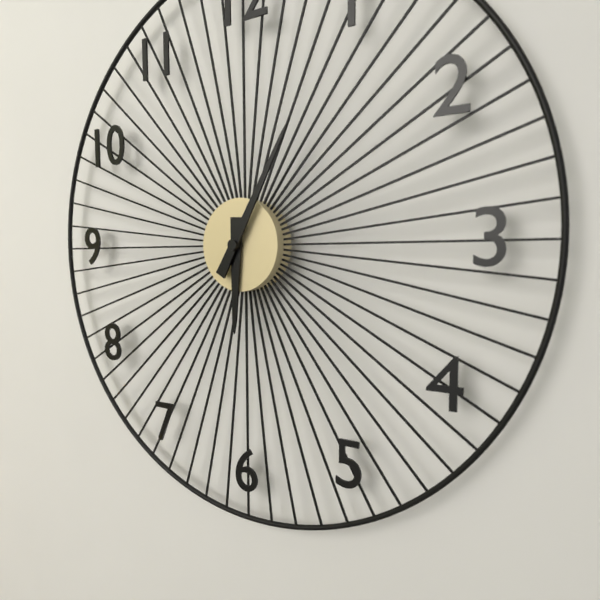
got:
6:05
